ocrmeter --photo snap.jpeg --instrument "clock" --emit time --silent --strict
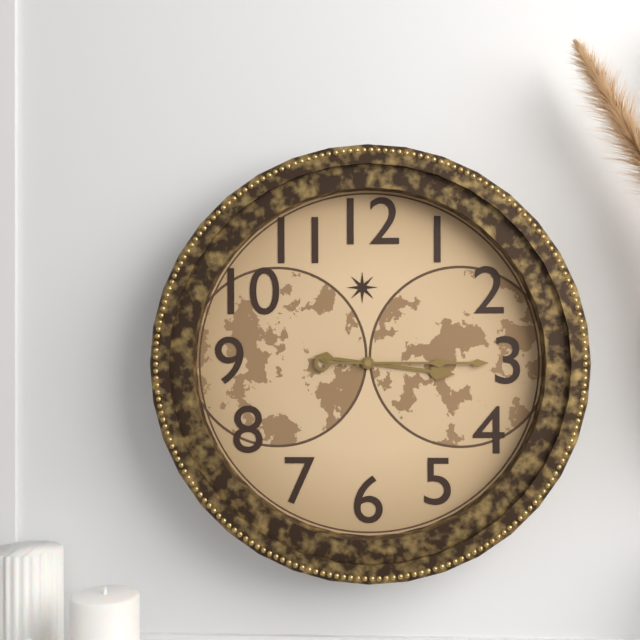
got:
3:15
